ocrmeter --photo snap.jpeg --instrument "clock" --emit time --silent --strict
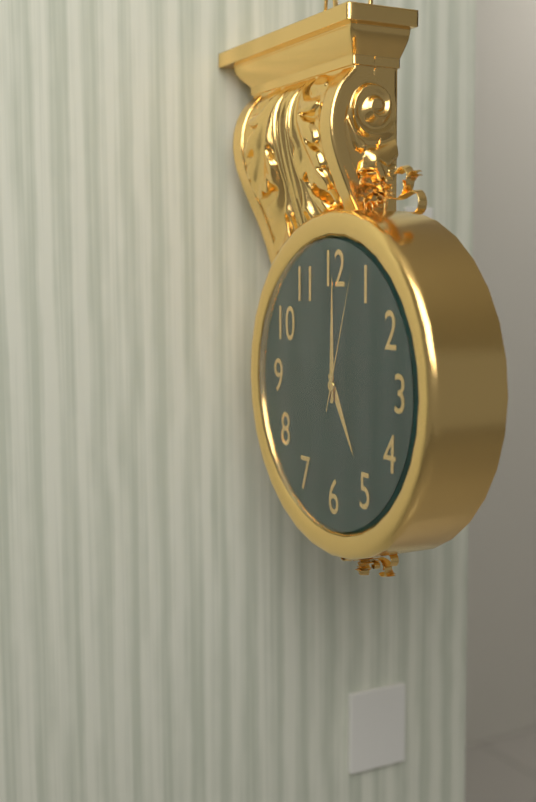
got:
5:00:03
